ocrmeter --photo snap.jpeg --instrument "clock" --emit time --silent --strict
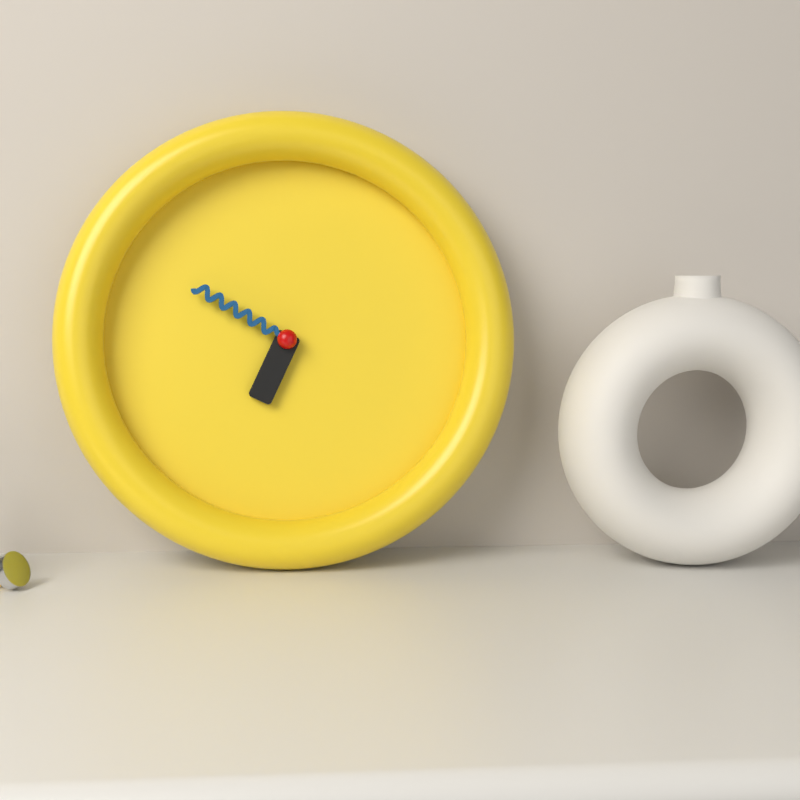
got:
6:50
